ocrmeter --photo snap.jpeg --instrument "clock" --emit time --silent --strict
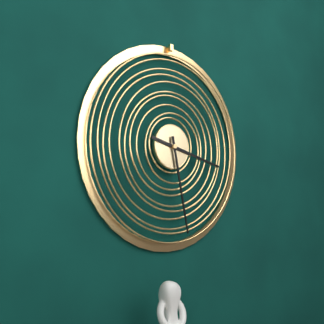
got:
3:28
